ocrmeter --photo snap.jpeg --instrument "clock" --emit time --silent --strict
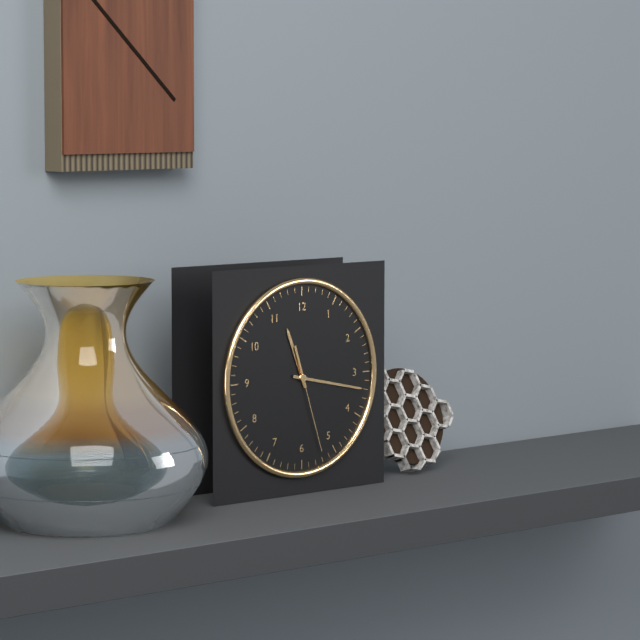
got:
11:17:27
